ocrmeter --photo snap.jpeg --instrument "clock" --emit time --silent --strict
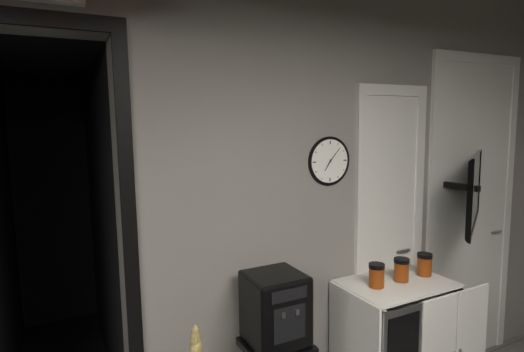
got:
7:07
